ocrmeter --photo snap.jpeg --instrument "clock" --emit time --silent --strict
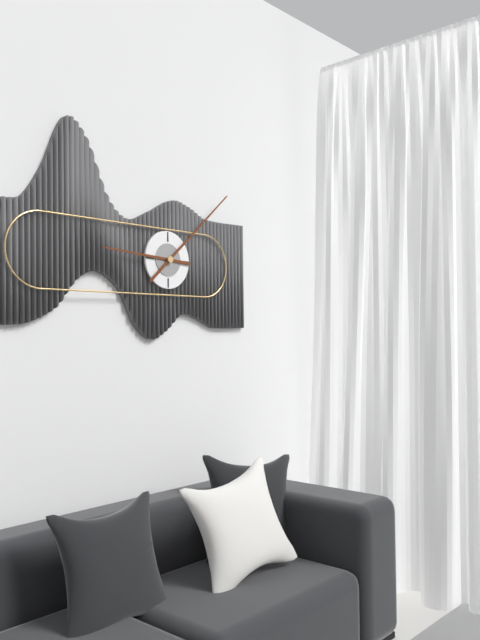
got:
9:08
